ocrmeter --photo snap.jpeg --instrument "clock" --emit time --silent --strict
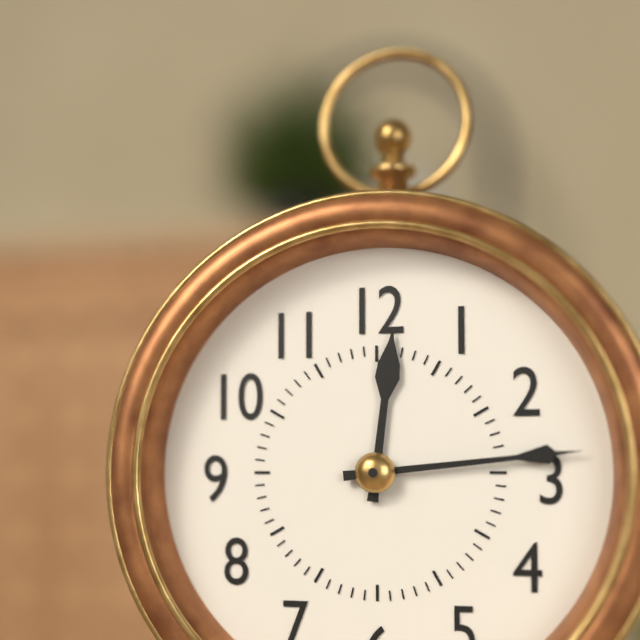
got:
12:14
